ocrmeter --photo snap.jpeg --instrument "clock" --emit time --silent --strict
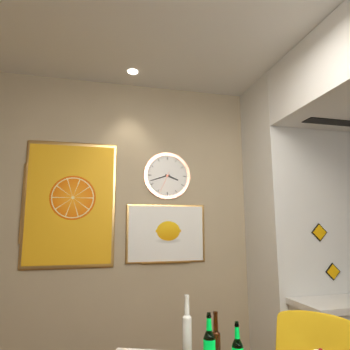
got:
3:42
